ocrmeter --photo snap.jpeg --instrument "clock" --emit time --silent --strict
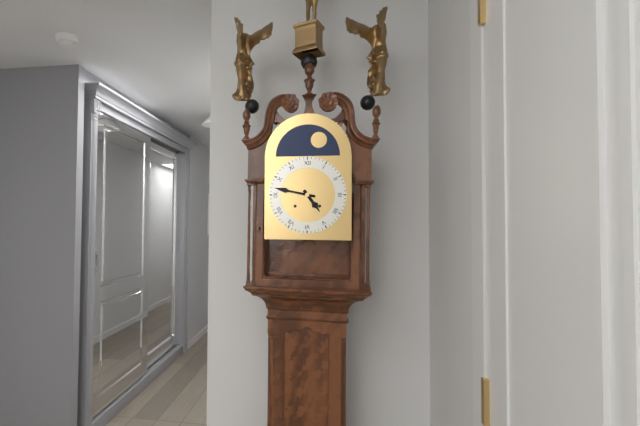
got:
4:47
